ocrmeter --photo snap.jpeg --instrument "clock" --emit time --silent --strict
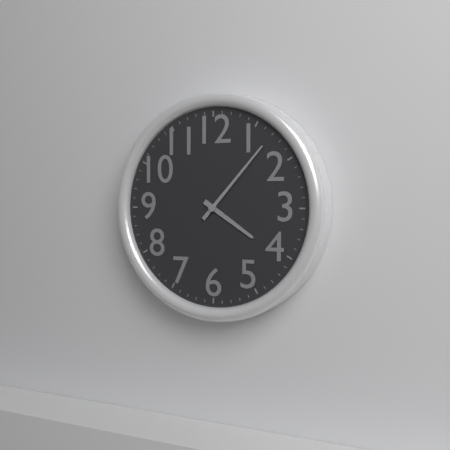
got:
4:07
